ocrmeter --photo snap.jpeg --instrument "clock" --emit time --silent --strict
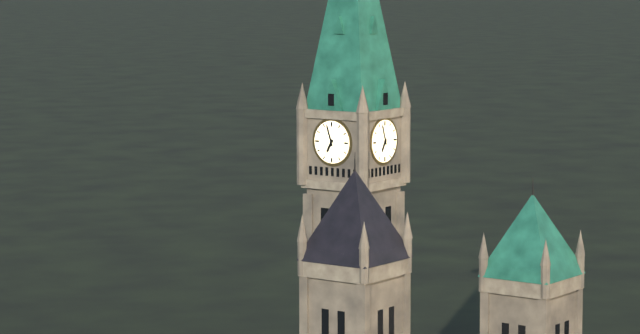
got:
6:57
